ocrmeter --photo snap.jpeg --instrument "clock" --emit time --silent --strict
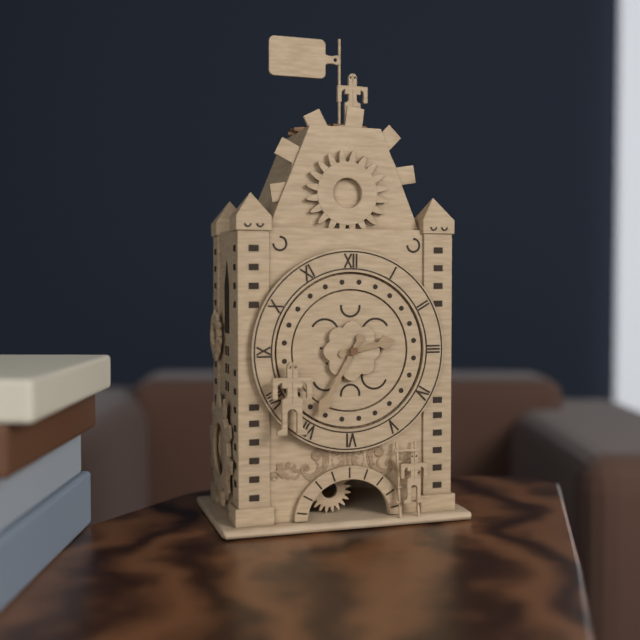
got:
2:35
